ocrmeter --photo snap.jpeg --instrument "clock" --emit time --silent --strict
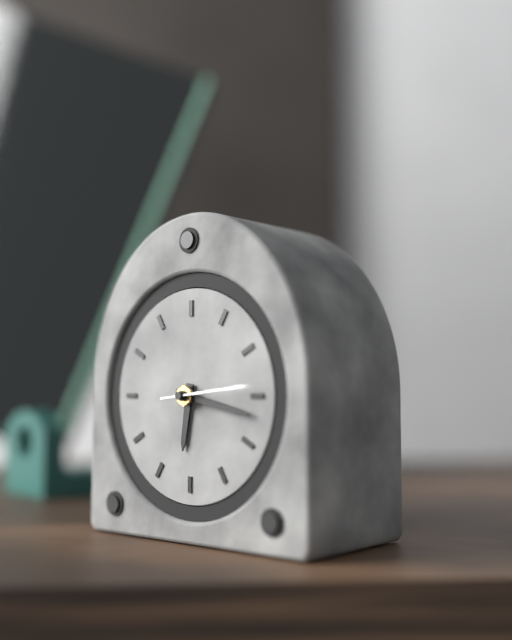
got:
6:17:14
